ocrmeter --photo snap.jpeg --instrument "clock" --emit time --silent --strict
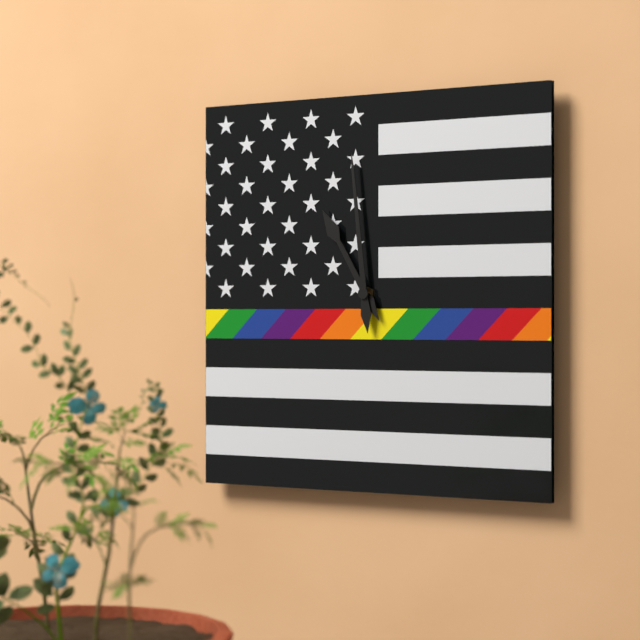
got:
10:59
